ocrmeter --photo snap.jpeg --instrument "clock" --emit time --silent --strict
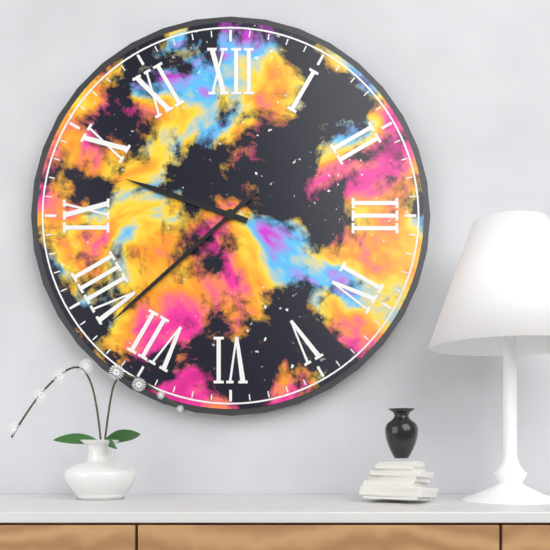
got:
9:38
